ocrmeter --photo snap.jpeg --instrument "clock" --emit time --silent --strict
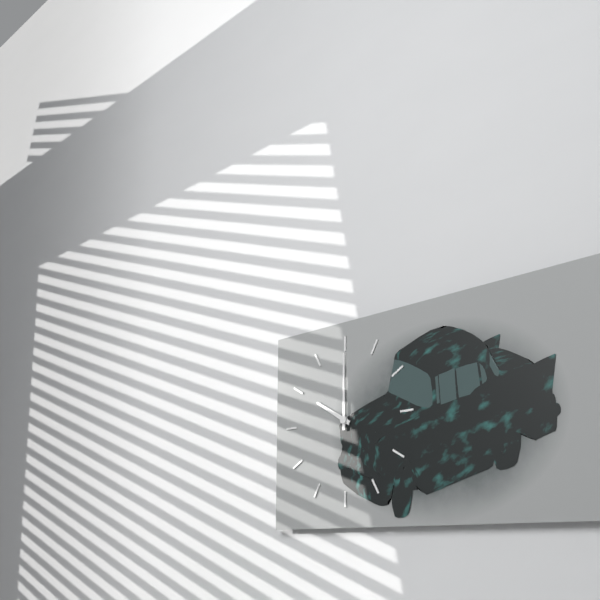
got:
10:00
